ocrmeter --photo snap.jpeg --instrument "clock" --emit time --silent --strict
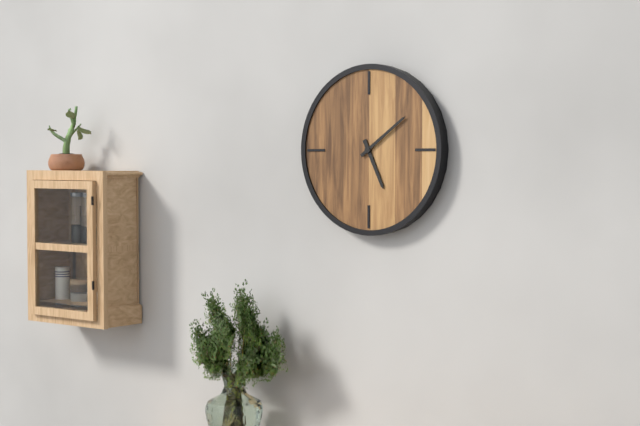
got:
5:09
